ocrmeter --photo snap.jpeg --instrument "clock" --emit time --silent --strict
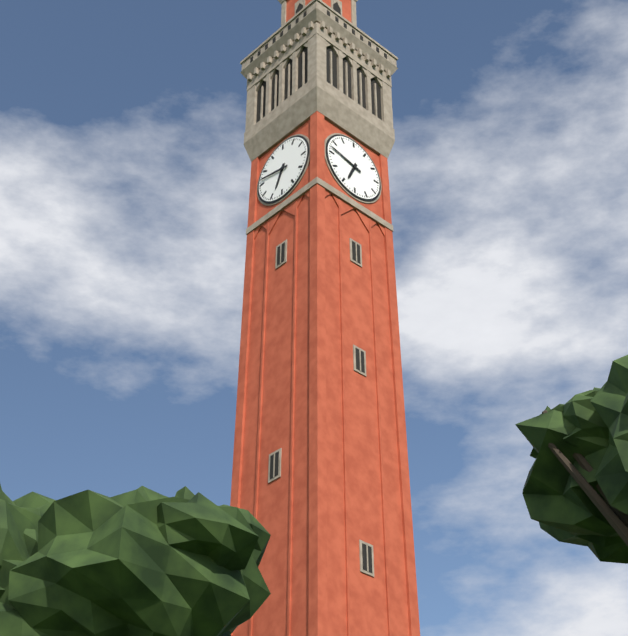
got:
6:47
